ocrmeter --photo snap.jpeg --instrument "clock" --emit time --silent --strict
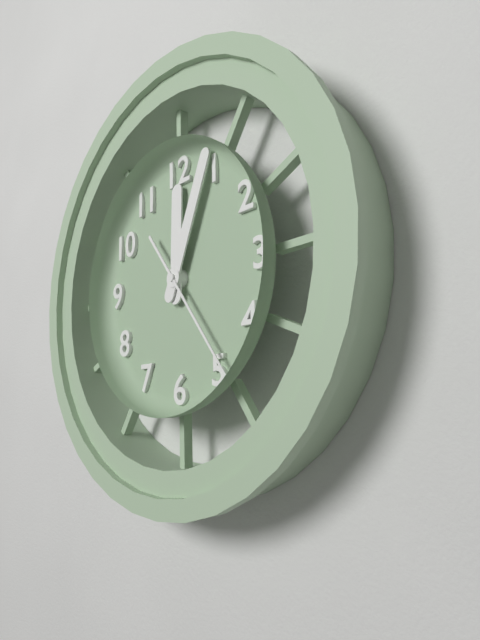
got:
12:04:24
